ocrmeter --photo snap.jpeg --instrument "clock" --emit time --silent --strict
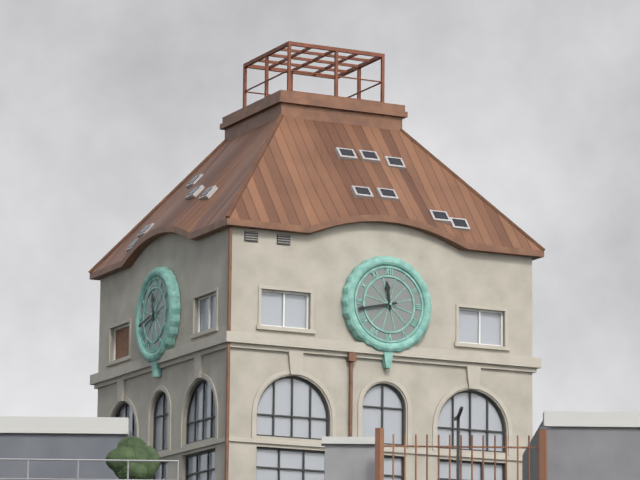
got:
11:43
